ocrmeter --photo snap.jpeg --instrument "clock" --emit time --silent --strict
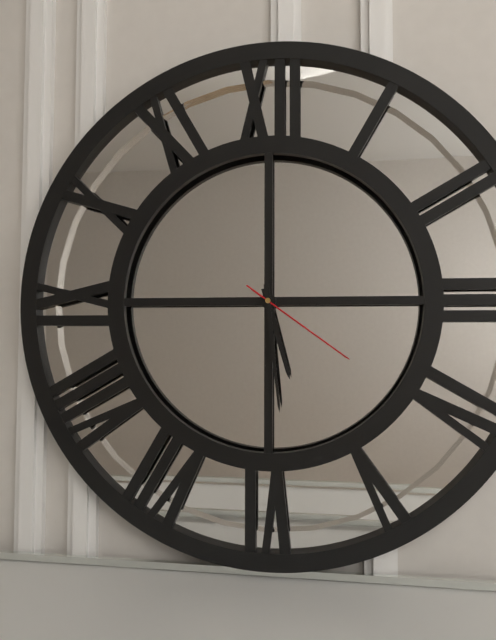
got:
5:29:21
